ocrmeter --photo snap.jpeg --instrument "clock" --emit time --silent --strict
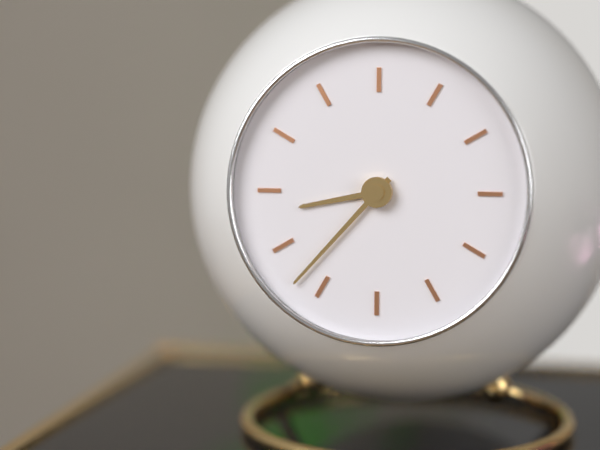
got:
8:37
